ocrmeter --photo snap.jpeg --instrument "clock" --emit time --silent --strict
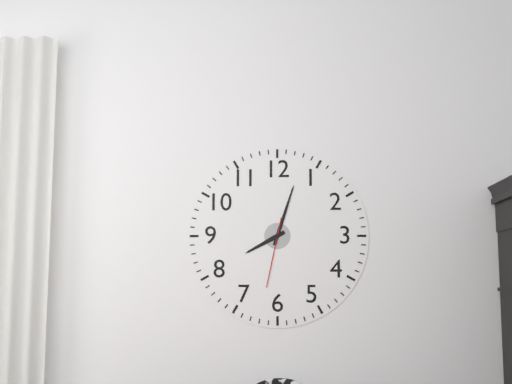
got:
8:03:32
